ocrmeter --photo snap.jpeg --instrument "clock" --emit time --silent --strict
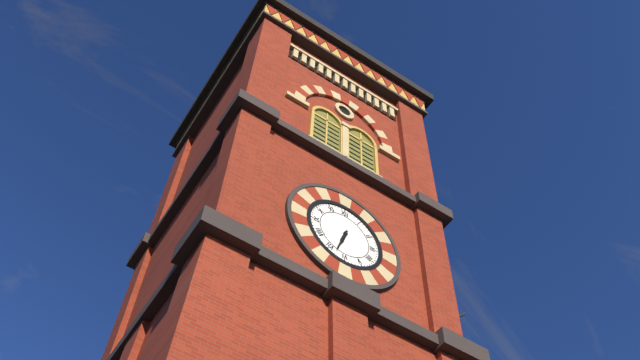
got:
6:33
